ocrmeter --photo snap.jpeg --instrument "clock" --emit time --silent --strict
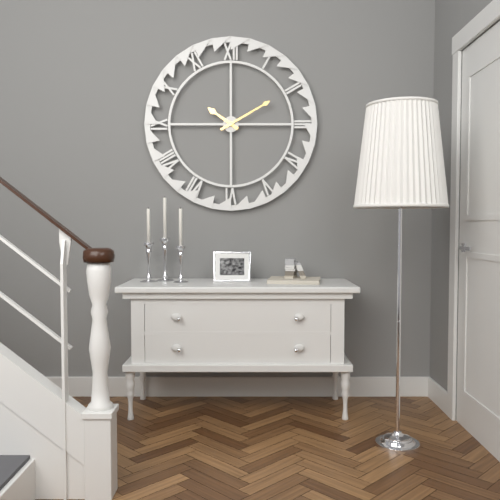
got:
10:10
